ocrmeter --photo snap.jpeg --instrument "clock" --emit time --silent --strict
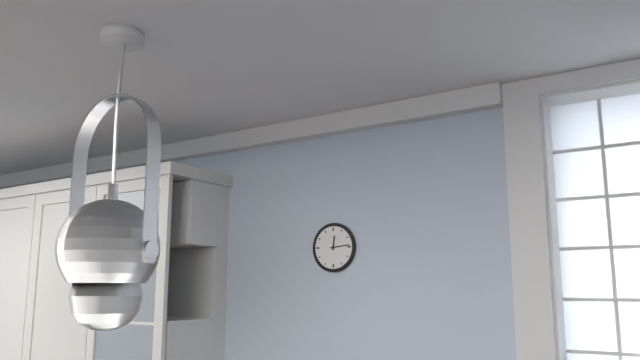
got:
12:14
